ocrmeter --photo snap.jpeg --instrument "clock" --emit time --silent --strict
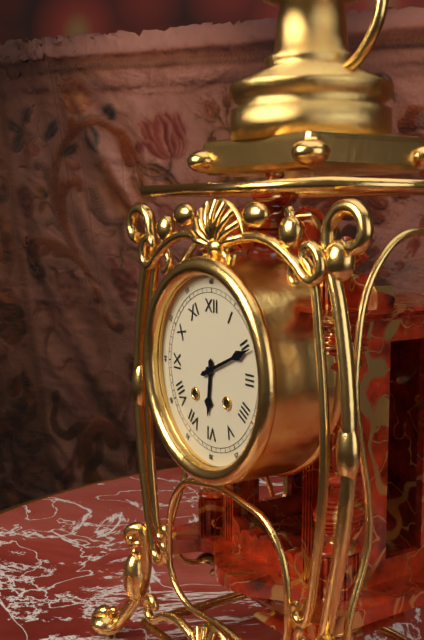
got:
6:11
